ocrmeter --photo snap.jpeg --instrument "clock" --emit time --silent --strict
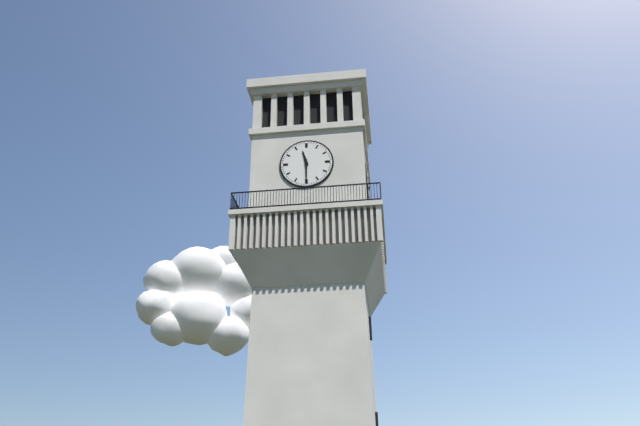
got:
11:30
